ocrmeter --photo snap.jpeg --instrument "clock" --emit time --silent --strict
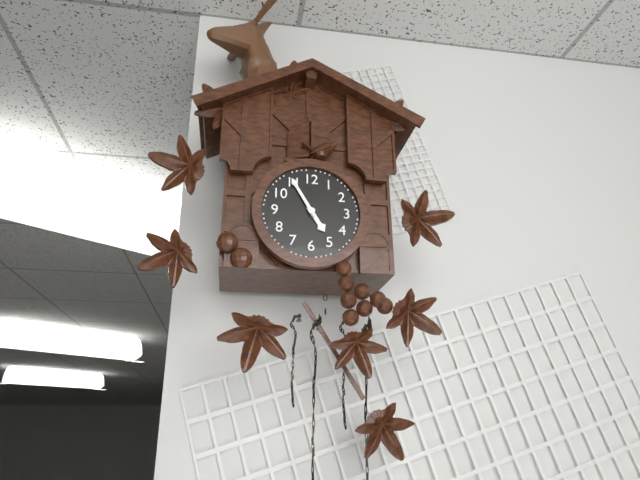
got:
4:55
